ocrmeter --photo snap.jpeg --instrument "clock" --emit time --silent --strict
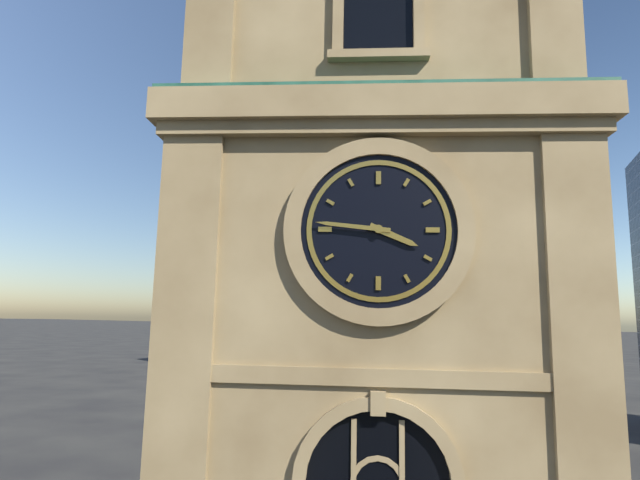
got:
3:46
